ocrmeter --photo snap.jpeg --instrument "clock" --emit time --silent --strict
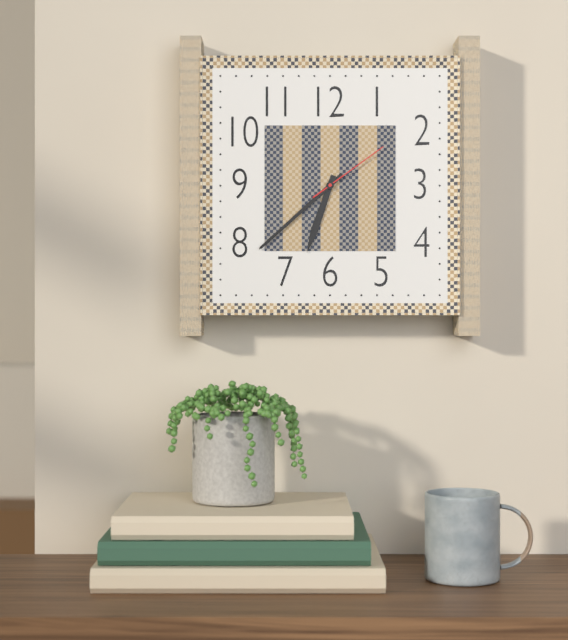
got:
6:38:09
